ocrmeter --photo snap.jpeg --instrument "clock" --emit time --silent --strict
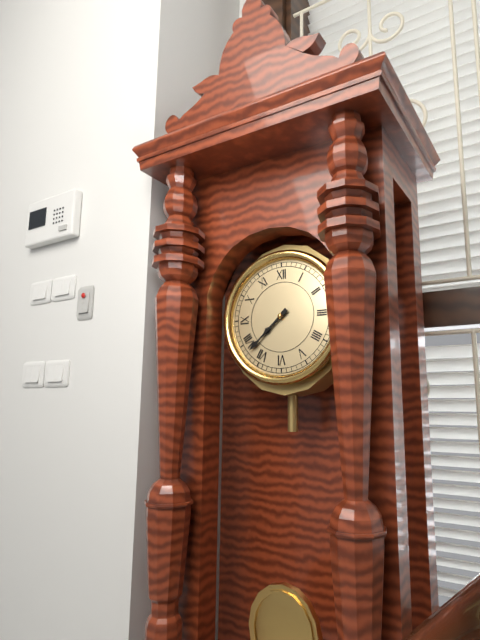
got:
7:38
